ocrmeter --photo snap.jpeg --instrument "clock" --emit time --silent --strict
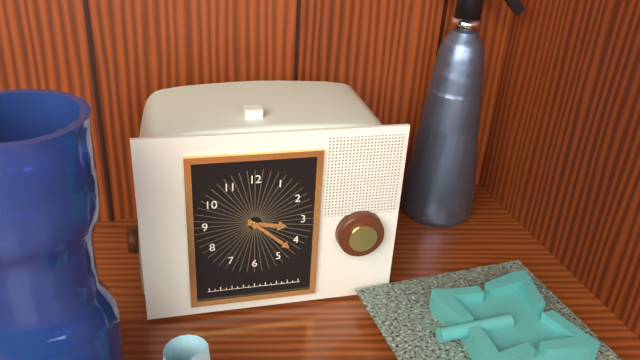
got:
3:22
